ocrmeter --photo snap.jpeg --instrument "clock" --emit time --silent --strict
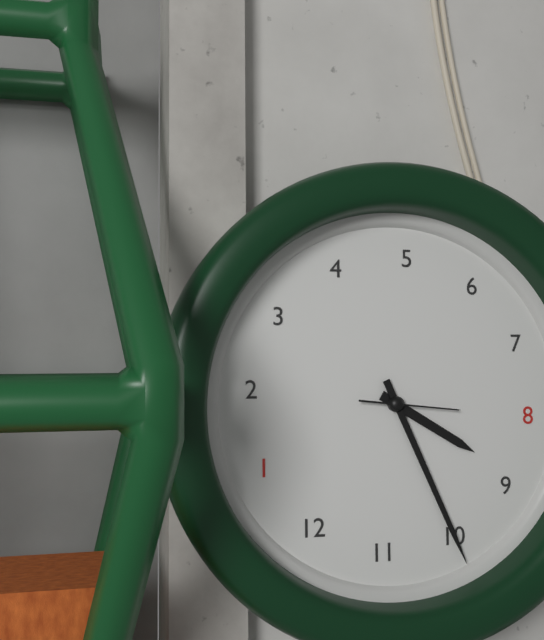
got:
8:50:40
